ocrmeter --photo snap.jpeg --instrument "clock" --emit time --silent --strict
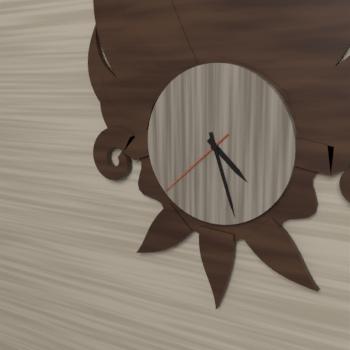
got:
4:27:38
